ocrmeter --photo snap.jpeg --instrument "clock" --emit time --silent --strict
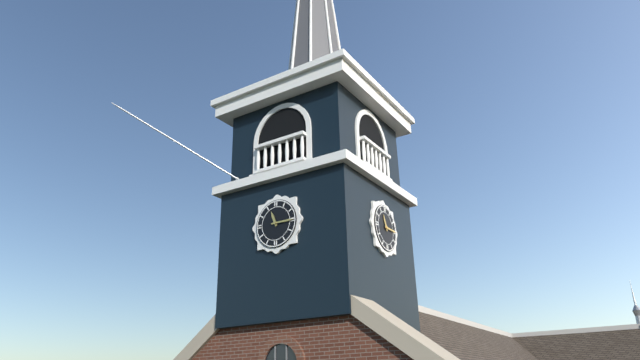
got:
11:15
